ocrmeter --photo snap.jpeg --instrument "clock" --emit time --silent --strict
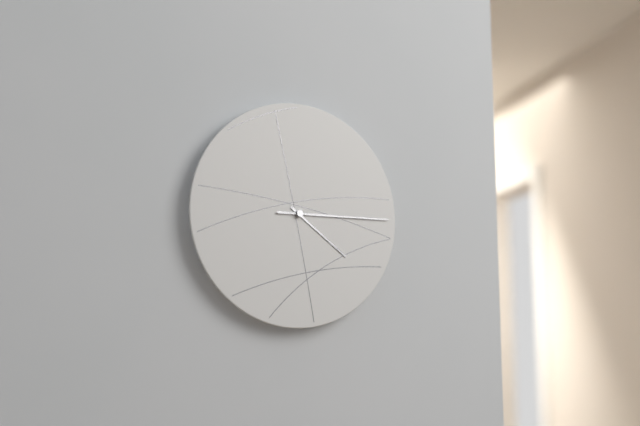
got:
4:15
